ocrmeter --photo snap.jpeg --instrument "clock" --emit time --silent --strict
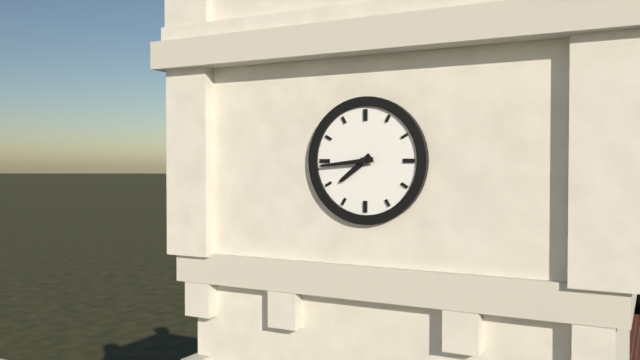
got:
7:44
